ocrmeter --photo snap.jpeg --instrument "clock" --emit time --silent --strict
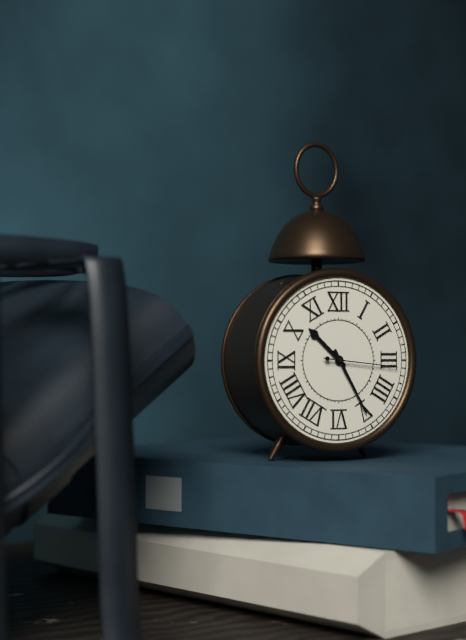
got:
10:25:16
